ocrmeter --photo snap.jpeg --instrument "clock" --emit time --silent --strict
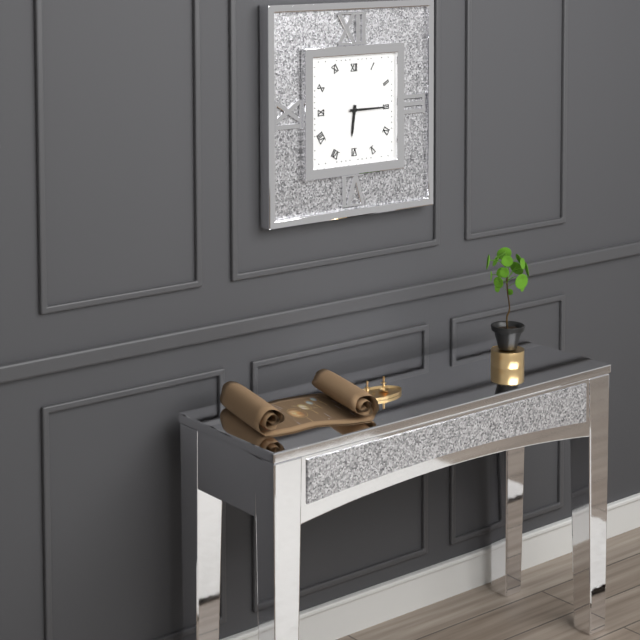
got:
6:15
